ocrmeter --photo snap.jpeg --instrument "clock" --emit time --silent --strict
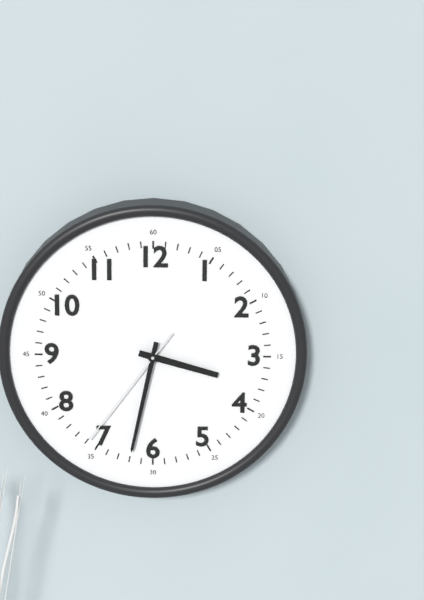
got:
3:32:36
